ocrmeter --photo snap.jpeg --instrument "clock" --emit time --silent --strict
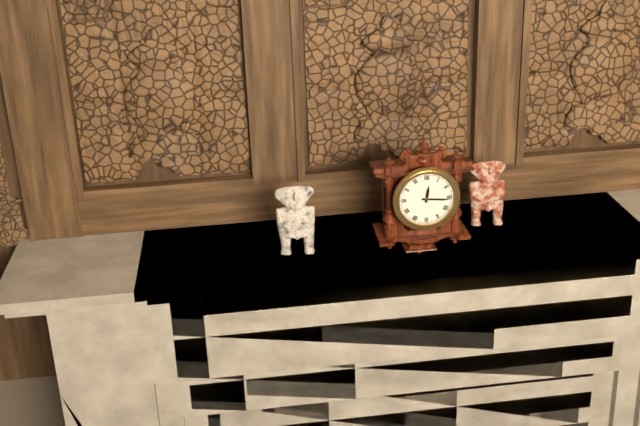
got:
12:16
